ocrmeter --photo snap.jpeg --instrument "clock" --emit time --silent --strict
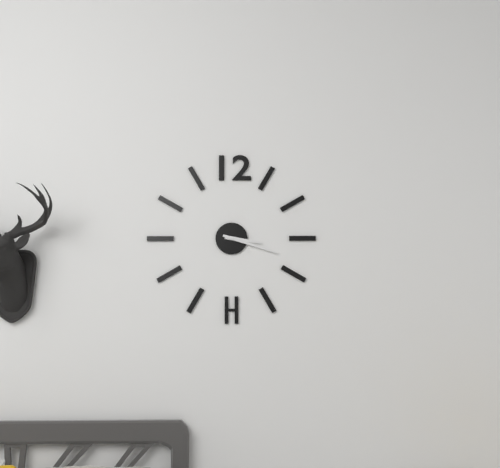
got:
3:18
